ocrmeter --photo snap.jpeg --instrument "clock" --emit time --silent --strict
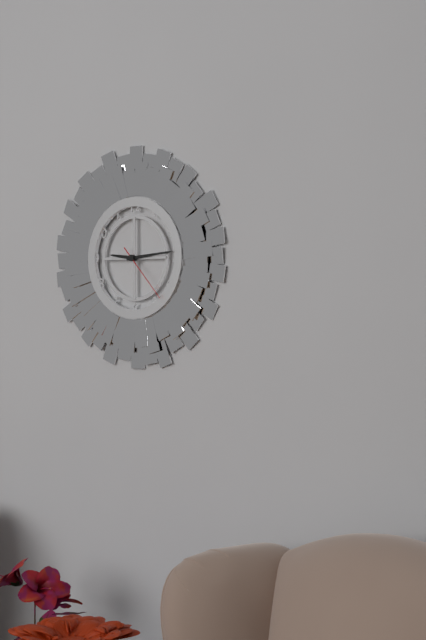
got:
9:14:23
